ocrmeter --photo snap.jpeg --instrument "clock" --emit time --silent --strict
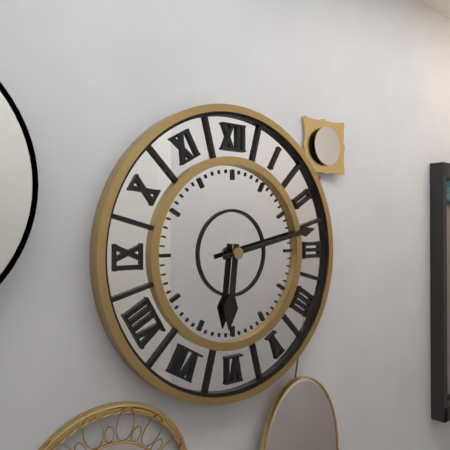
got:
6:13
